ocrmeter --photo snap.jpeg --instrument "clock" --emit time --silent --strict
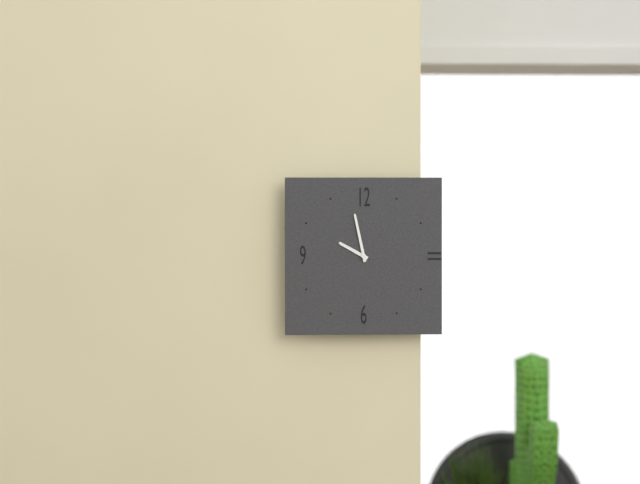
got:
9:58
